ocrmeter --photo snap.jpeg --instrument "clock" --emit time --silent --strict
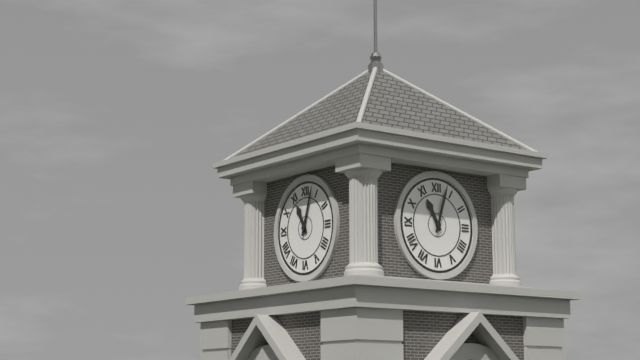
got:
11:03
